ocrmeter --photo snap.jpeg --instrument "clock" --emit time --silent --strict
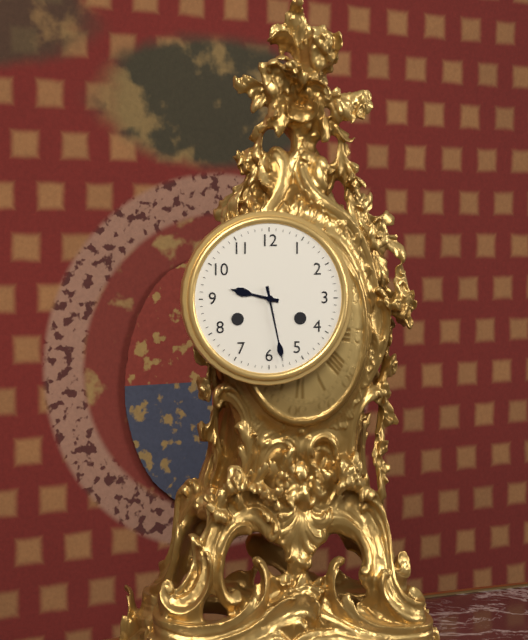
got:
9:28
